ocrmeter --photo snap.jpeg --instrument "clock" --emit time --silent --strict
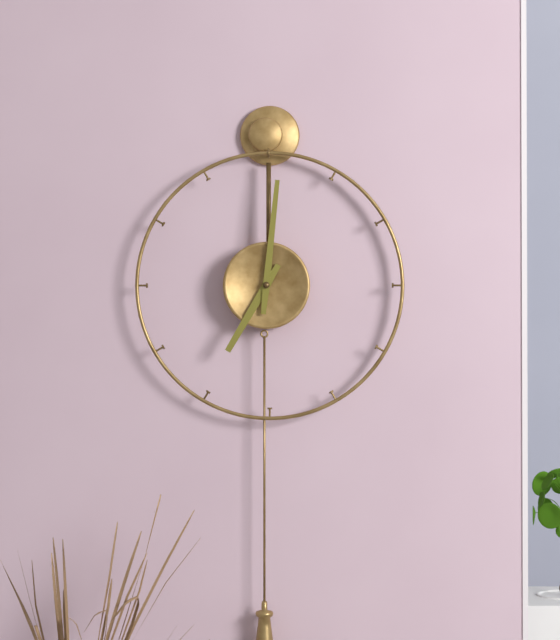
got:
7:01
